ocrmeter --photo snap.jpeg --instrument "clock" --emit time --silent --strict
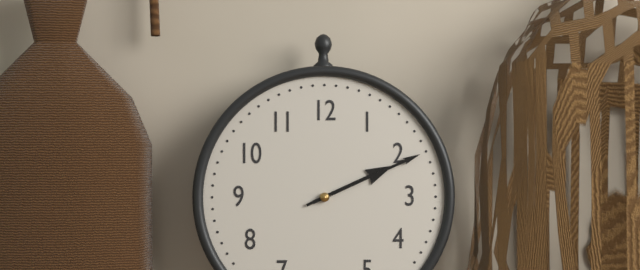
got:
2:11
